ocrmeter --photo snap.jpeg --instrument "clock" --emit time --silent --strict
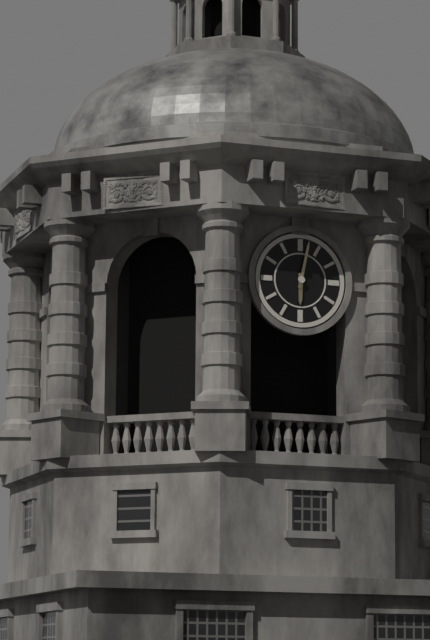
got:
6:02
